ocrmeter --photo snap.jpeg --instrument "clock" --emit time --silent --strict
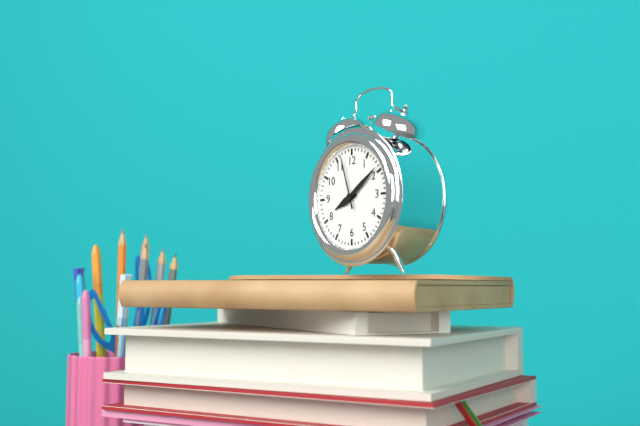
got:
8:09:57
